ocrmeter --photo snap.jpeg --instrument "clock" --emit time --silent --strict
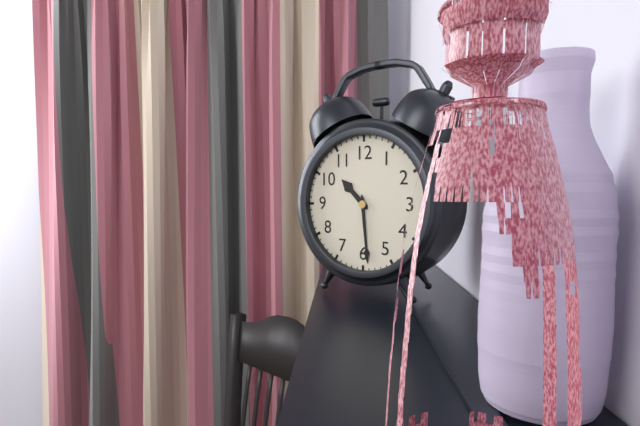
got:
10:29
